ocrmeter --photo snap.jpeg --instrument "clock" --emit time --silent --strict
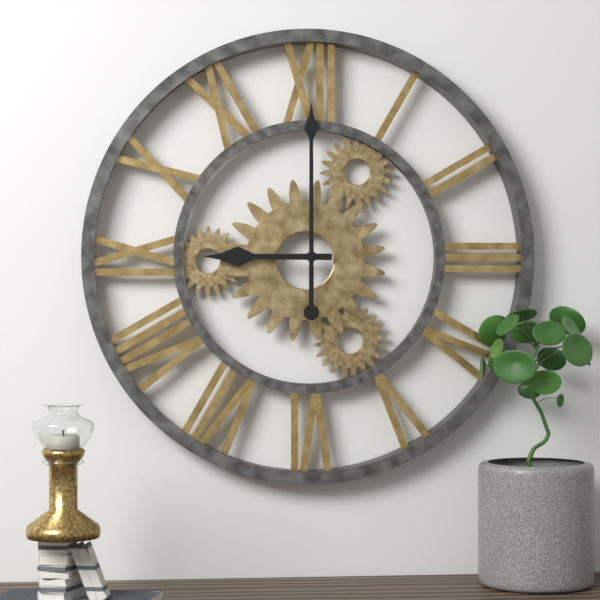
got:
9:00
